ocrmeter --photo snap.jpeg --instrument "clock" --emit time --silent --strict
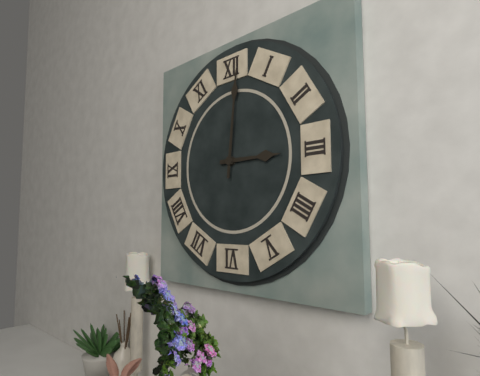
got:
3:01
